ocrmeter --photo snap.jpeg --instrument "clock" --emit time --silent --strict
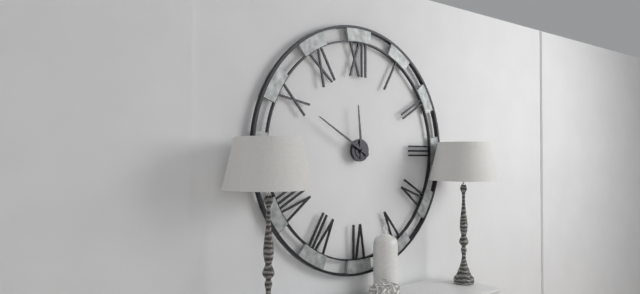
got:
11:50
